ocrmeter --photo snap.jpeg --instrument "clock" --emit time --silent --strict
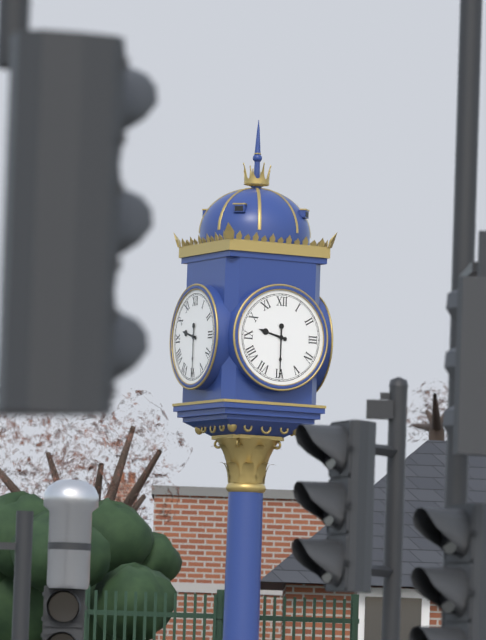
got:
9:30
